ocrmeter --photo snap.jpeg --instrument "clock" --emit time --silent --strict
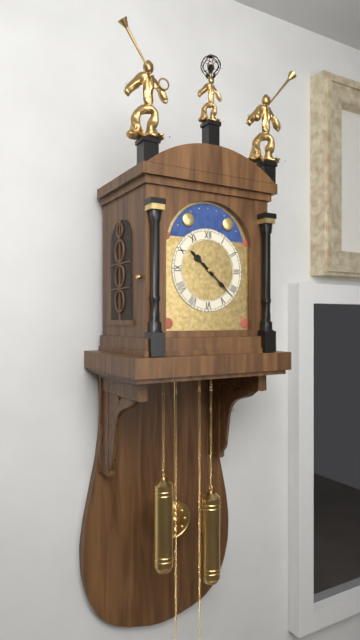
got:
10:22
